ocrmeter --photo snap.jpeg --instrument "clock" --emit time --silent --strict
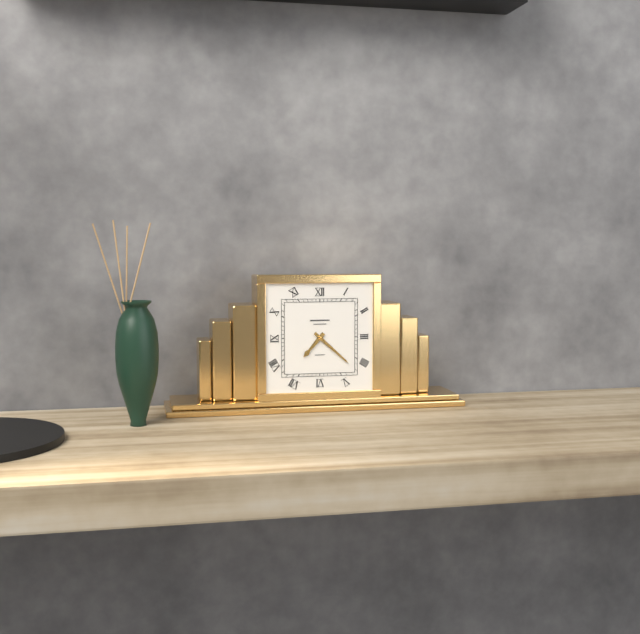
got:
7:22
